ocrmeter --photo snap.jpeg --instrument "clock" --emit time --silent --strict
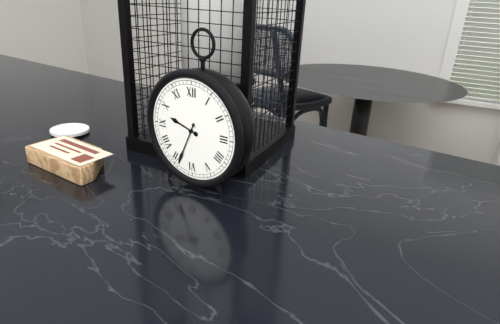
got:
9:34
